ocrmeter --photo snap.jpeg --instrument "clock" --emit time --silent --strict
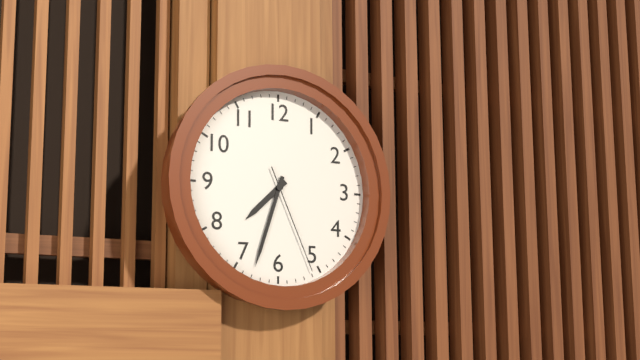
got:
7:33:26
